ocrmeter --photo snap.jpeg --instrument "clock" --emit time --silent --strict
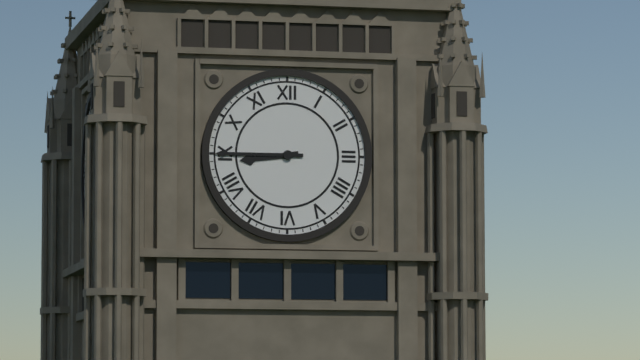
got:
8:45
